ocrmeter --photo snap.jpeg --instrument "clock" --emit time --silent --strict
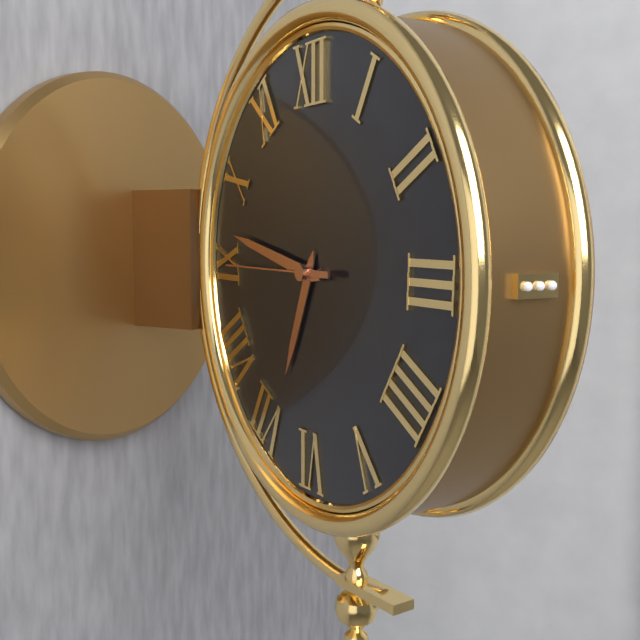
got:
6:47:45
